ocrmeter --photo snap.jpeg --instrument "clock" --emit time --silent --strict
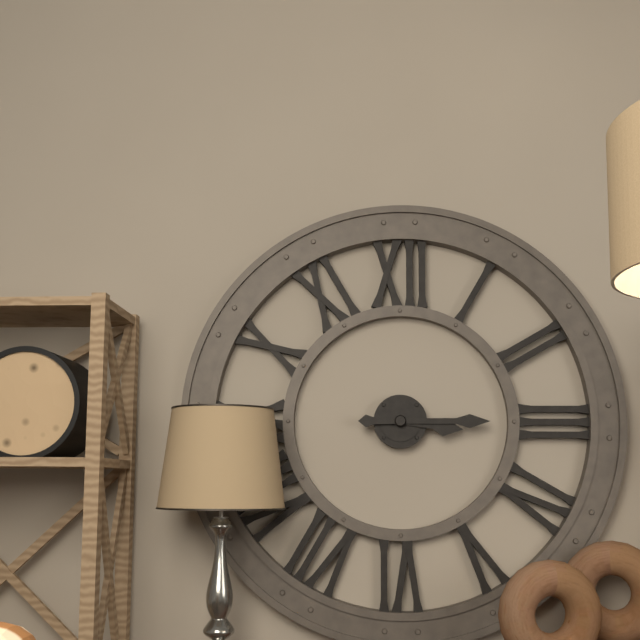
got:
3:15
